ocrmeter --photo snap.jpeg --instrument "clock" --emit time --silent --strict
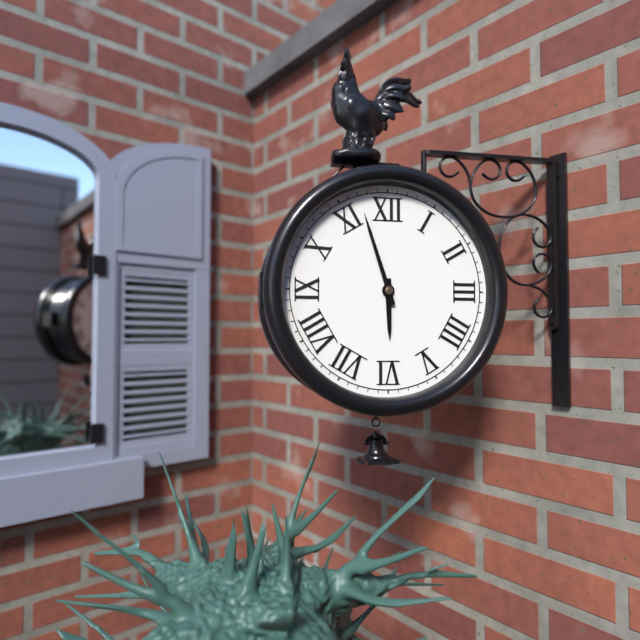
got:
5:57
